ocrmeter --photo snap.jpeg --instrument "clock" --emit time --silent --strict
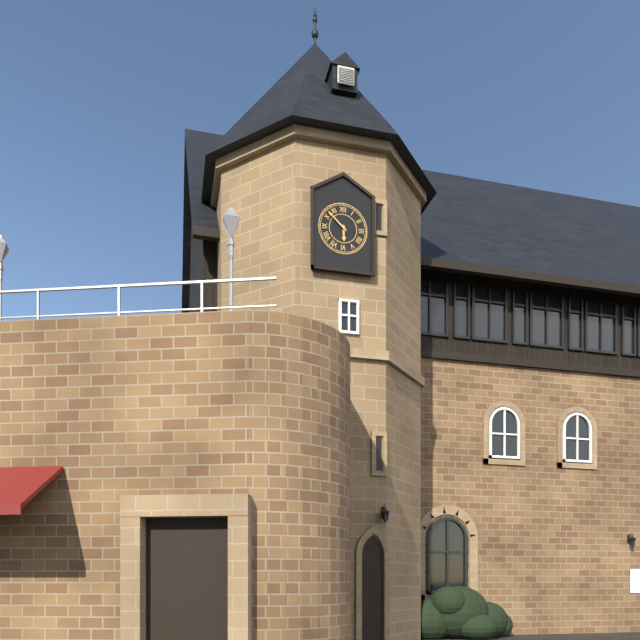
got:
5:52
